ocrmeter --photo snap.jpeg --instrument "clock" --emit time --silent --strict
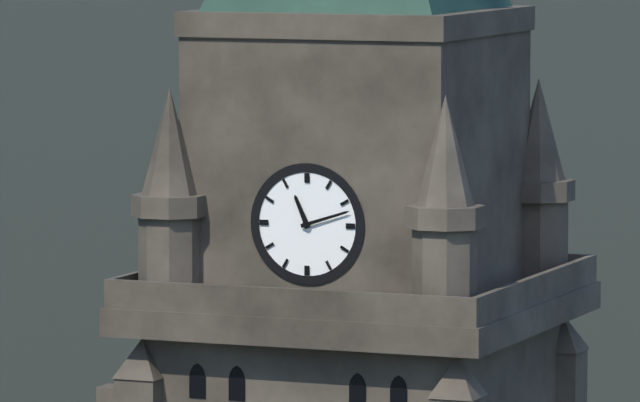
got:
11:12
